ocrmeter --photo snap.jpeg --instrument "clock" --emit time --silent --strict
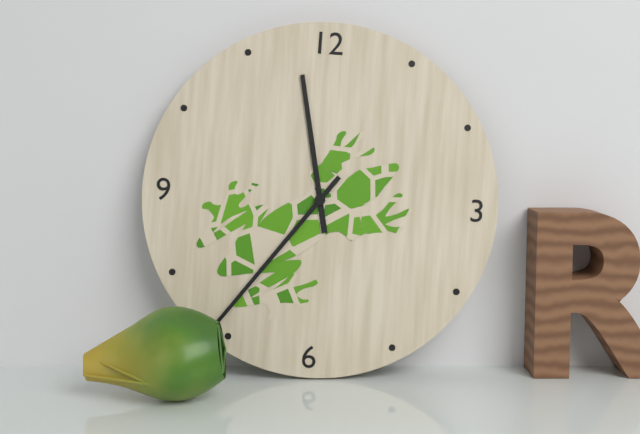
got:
11:36
